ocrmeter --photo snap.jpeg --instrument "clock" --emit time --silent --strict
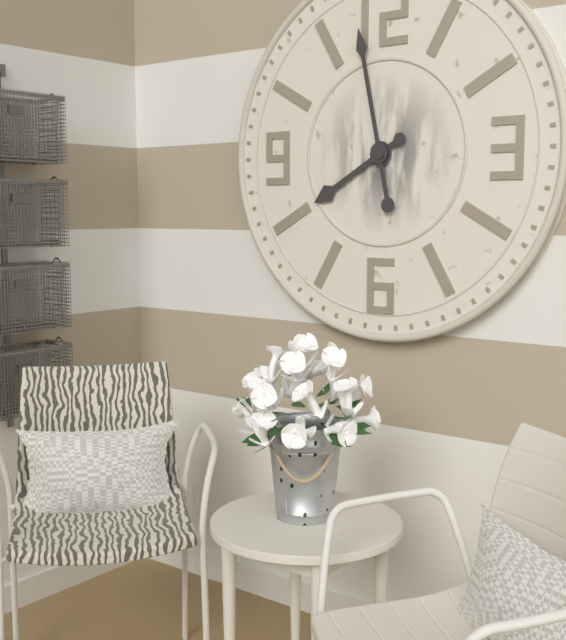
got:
7:58
